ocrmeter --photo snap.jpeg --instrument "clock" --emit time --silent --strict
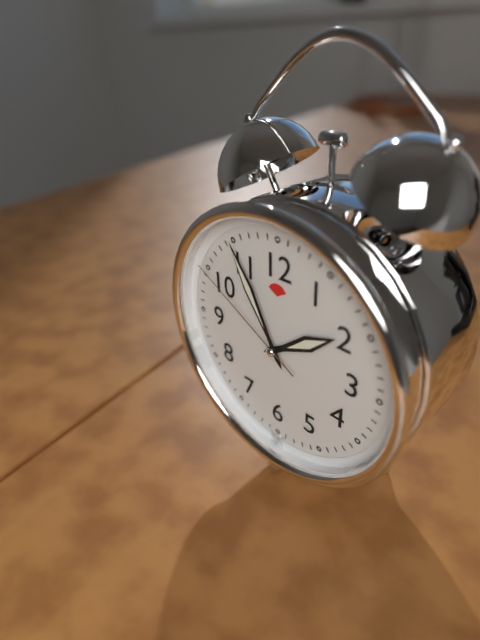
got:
1:55:50
